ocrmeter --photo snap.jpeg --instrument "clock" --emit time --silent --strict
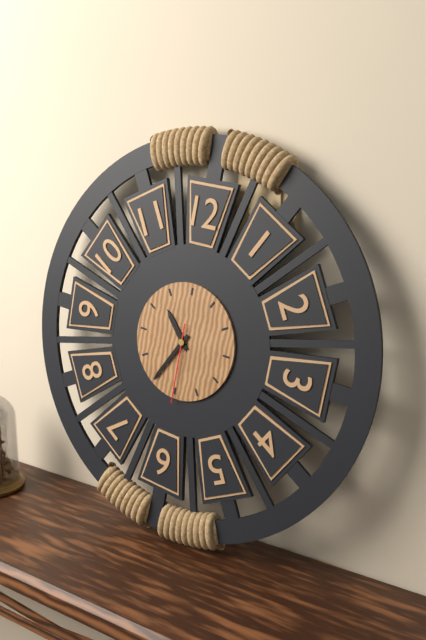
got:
10:35:30
